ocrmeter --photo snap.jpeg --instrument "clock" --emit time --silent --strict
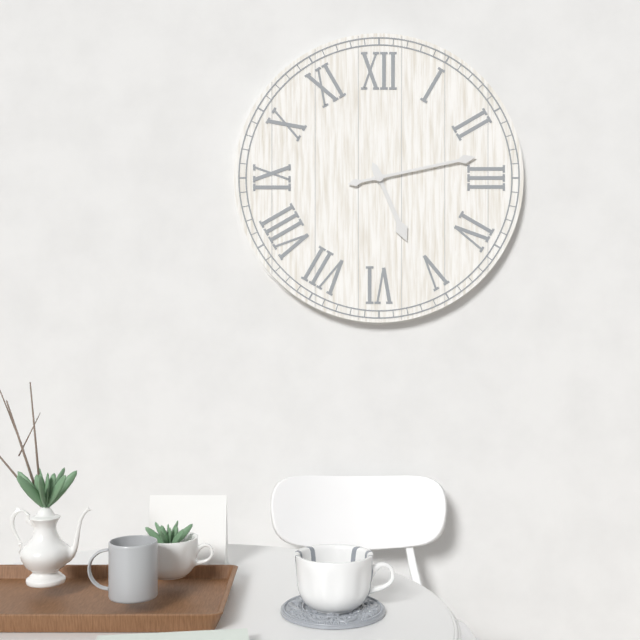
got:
5:13
